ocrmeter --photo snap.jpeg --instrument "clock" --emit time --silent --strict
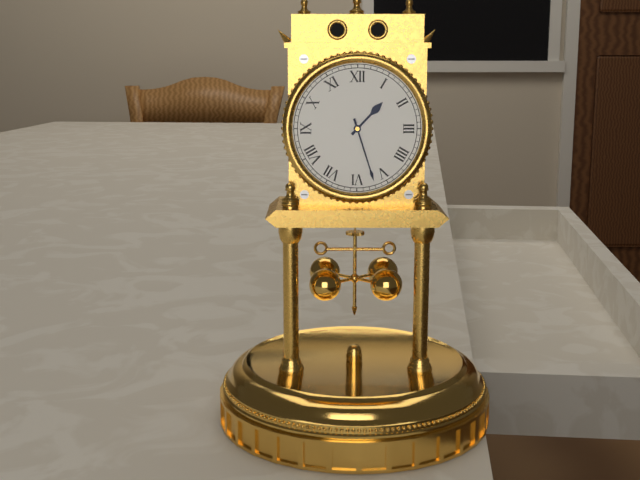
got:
1:27
